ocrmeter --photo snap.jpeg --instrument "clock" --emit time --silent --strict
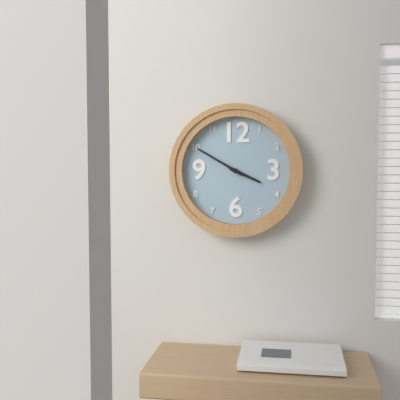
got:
3:50
